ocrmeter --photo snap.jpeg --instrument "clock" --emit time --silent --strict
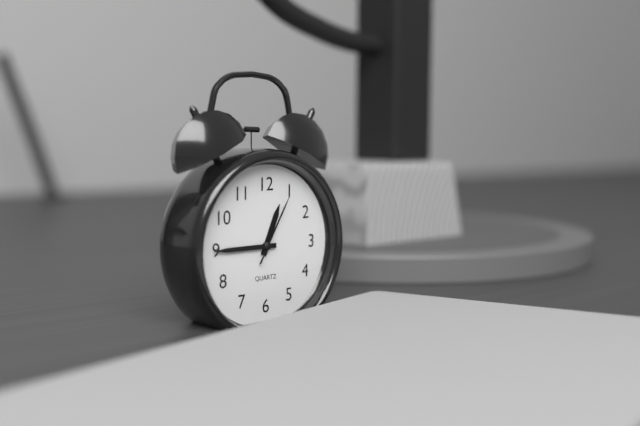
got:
12:45:05
